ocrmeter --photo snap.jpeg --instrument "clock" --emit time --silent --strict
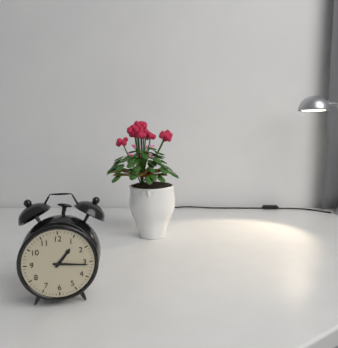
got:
1:16
